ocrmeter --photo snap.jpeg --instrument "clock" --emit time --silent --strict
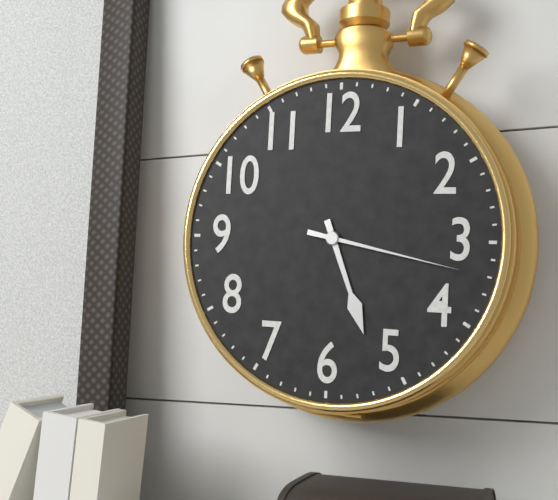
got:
5:17
